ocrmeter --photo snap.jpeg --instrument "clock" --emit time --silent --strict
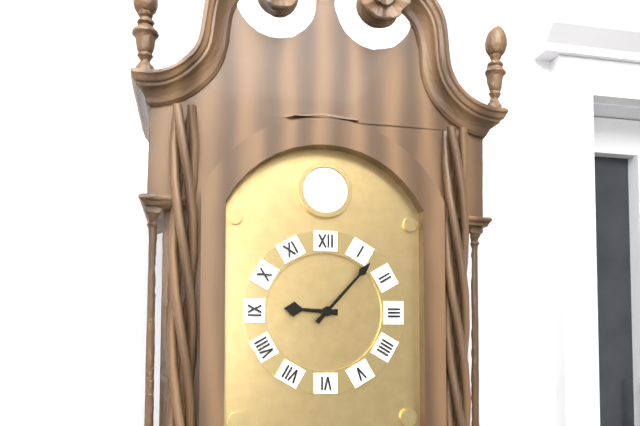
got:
9:07
